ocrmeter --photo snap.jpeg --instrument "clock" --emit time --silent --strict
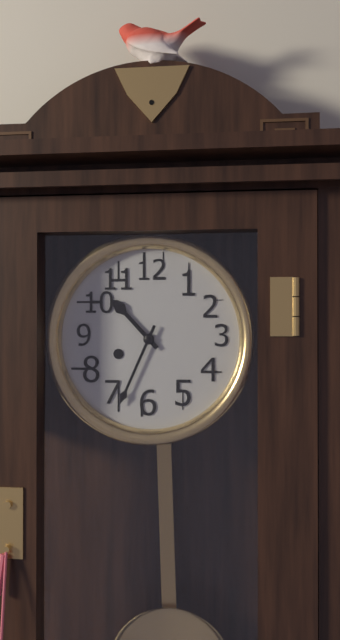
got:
10:34
